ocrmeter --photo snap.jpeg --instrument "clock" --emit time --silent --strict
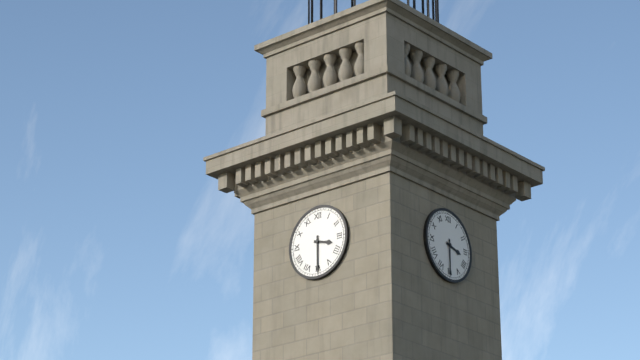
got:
3:30
